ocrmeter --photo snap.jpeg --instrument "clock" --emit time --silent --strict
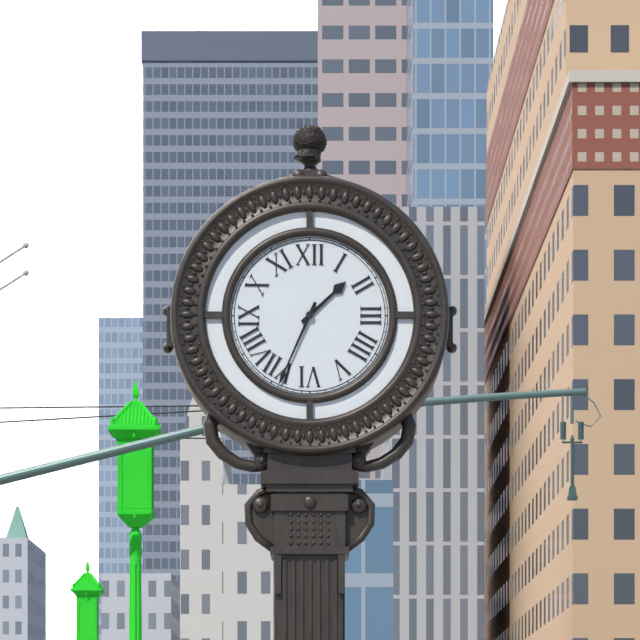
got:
1:34
